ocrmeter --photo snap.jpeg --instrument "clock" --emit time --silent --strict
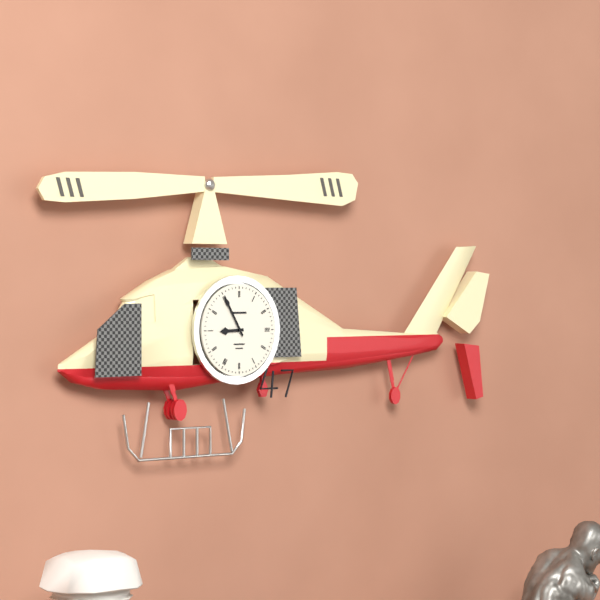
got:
8:55
